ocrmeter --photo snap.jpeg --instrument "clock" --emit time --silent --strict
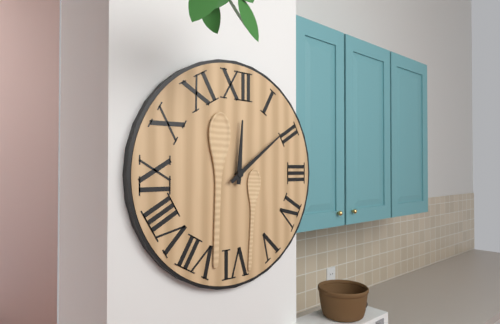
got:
12:09
